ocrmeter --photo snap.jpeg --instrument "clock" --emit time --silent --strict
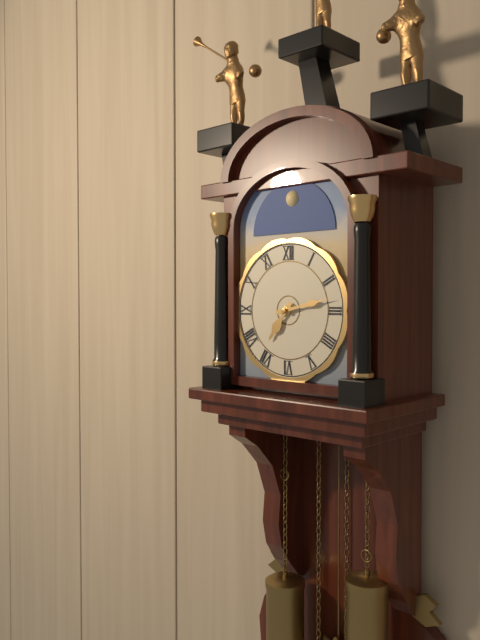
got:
7:13
